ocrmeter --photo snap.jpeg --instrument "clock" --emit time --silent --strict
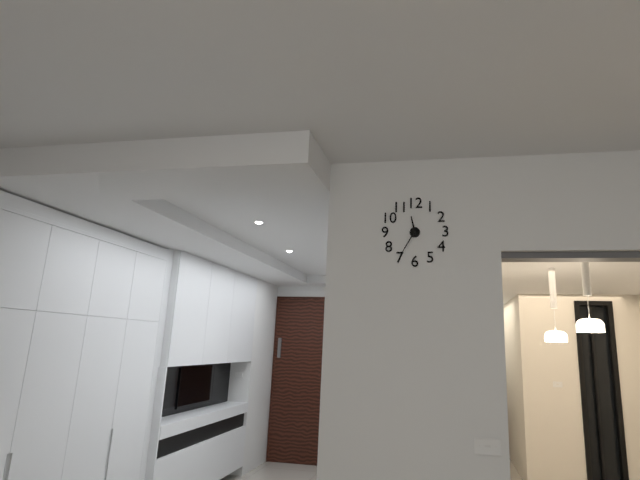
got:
11:35
